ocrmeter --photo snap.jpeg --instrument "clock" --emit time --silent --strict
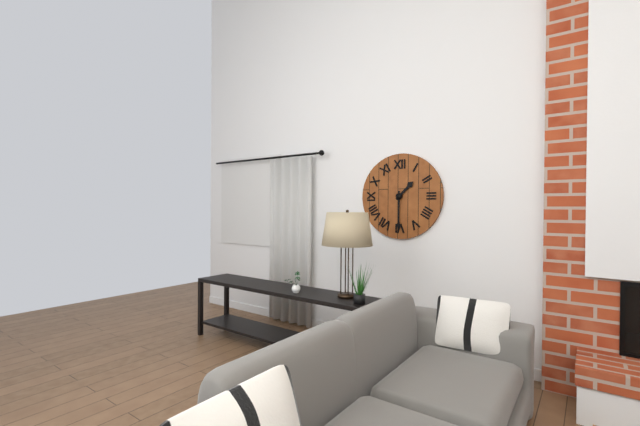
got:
1:30
